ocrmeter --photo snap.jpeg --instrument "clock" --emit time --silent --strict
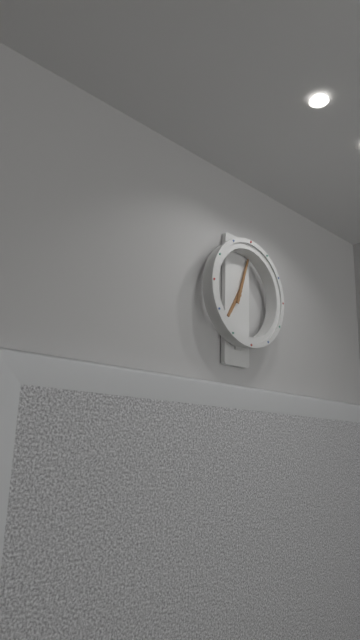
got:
7:03
